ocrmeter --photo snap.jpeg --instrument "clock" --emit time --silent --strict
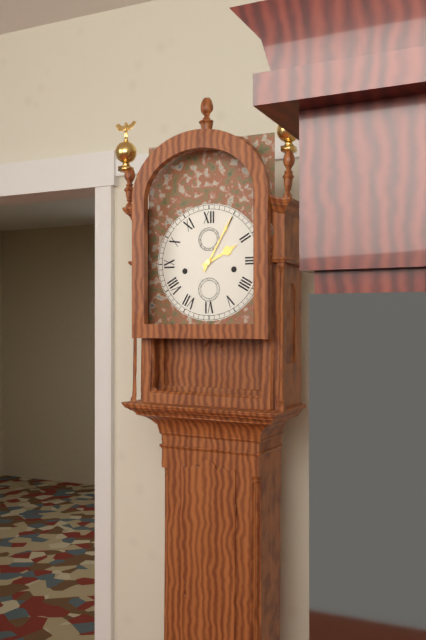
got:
2:05
